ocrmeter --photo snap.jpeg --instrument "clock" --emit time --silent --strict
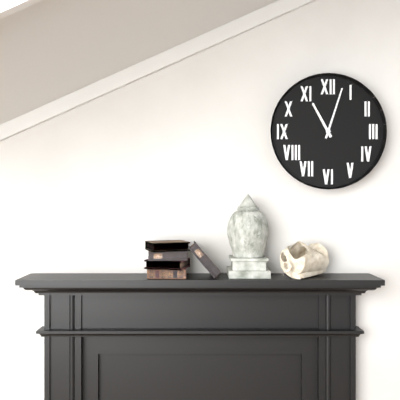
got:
11:03
